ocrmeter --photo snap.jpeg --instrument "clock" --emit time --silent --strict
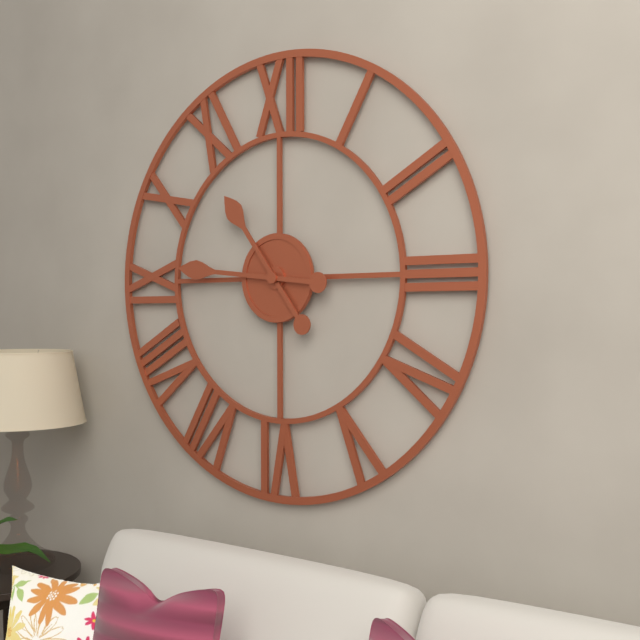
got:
10:46
